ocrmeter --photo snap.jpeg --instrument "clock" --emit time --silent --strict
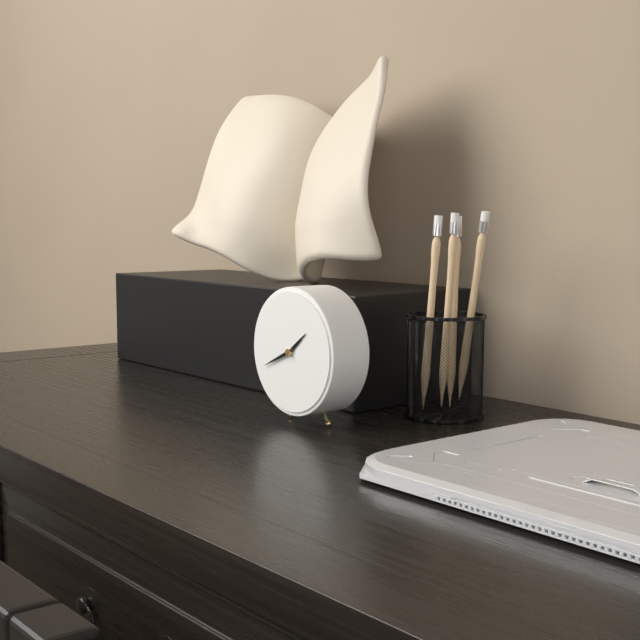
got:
1:41
